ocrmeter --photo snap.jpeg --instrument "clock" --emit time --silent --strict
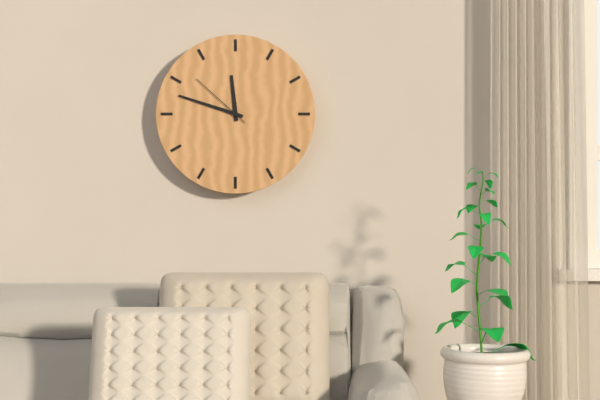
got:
11:48:52
